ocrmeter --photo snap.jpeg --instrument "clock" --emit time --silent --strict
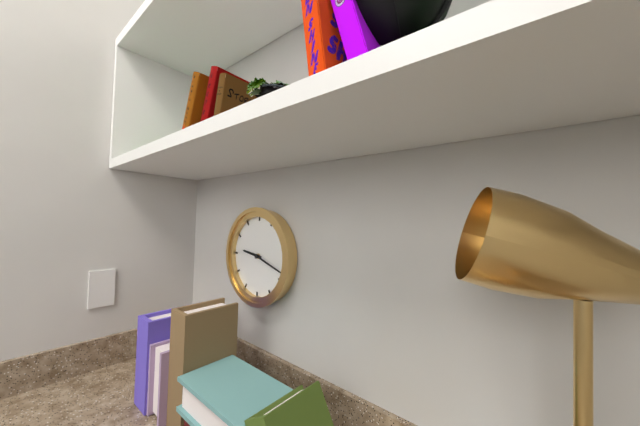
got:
9:18
